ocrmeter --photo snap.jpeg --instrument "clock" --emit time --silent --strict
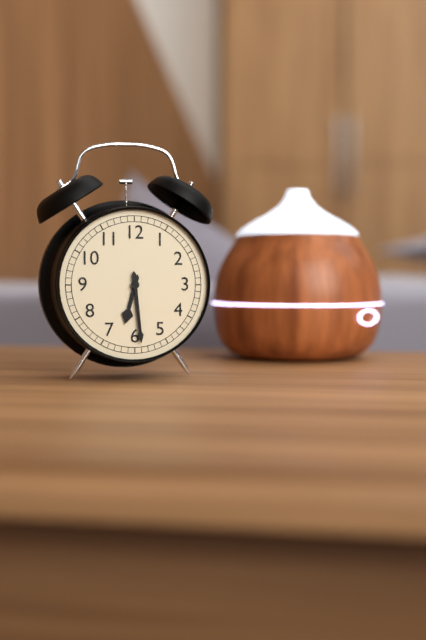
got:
6:29
